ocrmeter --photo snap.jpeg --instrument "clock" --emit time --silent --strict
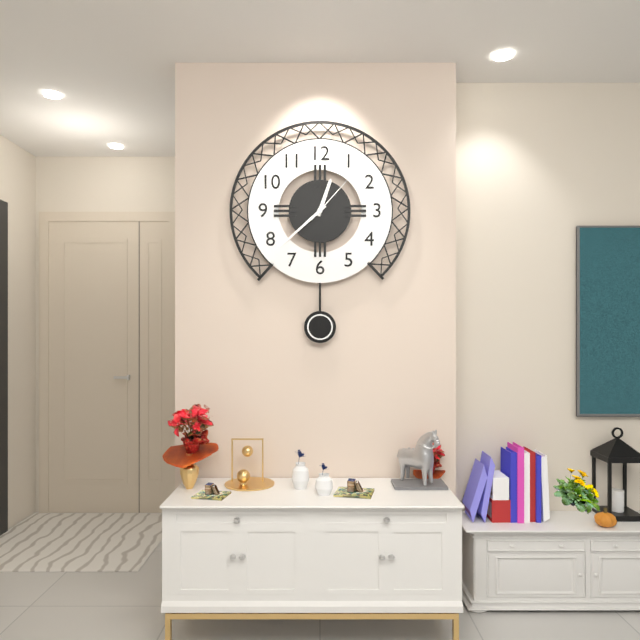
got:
12:38:07
